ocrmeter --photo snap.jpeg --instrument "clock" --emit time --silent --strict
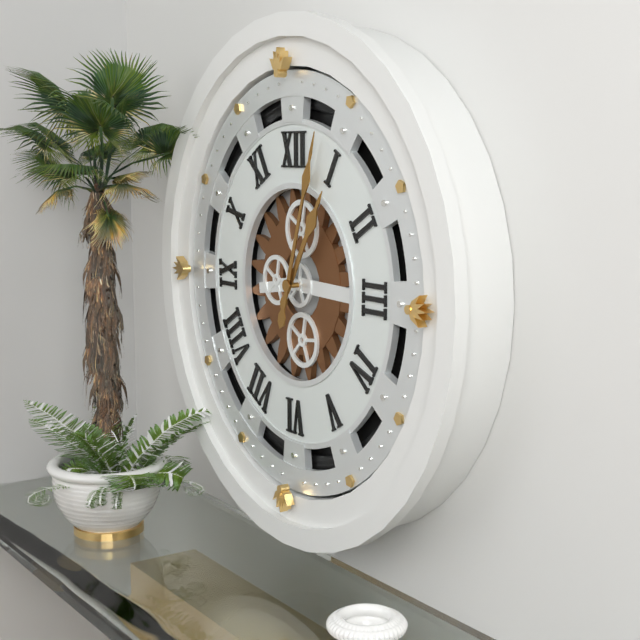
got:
1:03
